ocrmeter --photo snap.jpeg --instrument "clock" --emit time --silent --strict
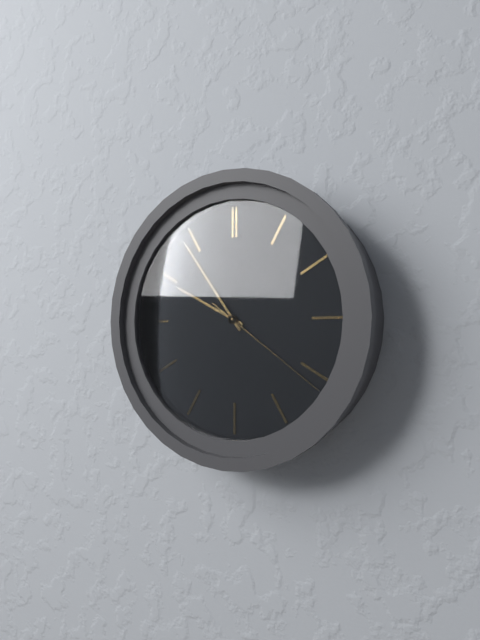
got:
9:54:21
